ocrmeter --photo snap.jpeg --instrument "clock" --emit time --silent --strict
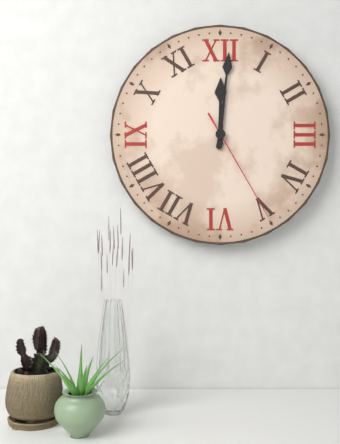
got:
12:01:25
